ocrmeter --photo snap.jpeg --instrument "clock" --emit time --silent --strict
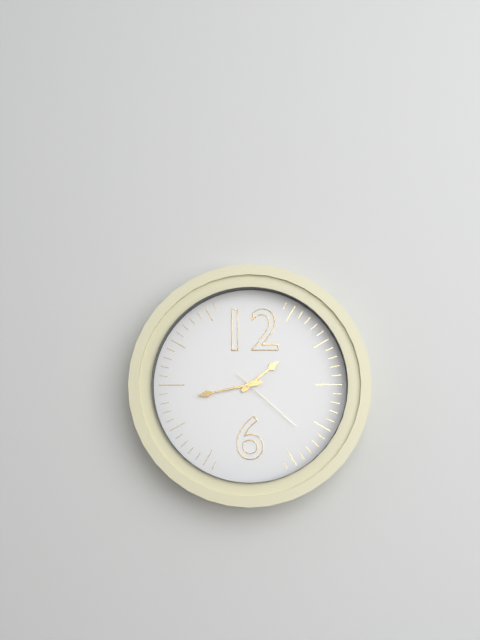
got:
1:43:22
